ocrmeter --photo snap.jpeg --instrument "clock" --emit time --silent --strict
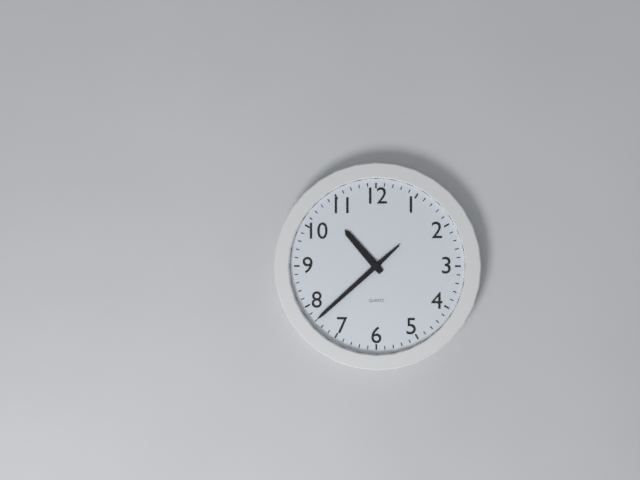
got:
10:38
